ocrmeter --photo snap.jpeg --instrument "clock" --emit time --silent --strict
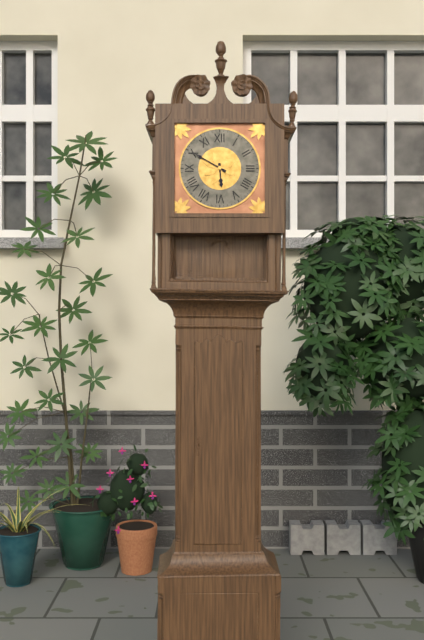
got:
5:50
